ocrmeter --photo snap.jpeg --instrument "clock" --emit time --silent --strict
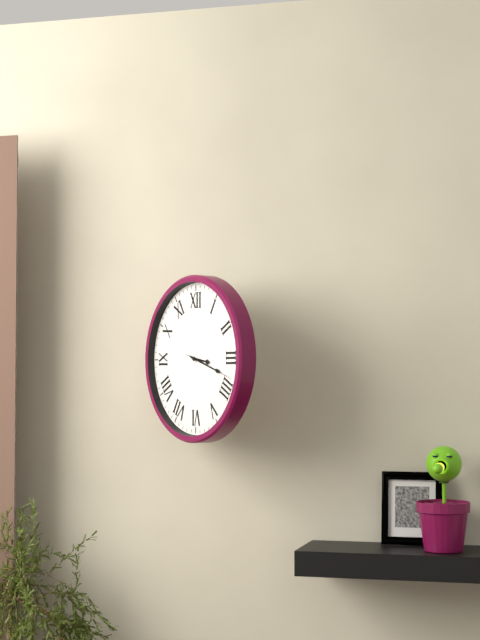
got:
3:18:18
